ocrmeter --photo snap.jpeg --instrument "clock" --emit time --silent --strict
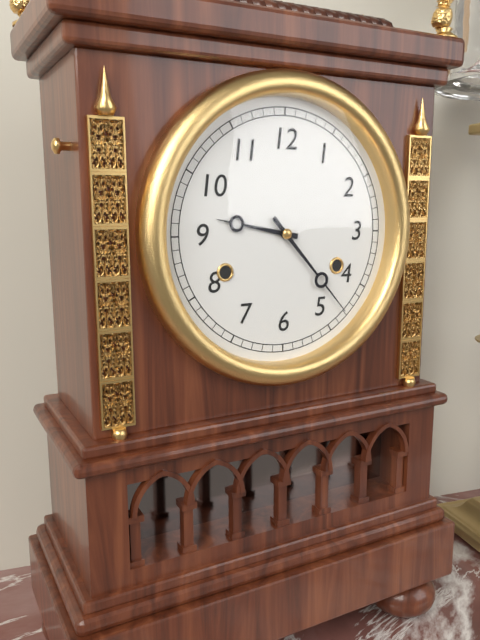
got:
9:23
